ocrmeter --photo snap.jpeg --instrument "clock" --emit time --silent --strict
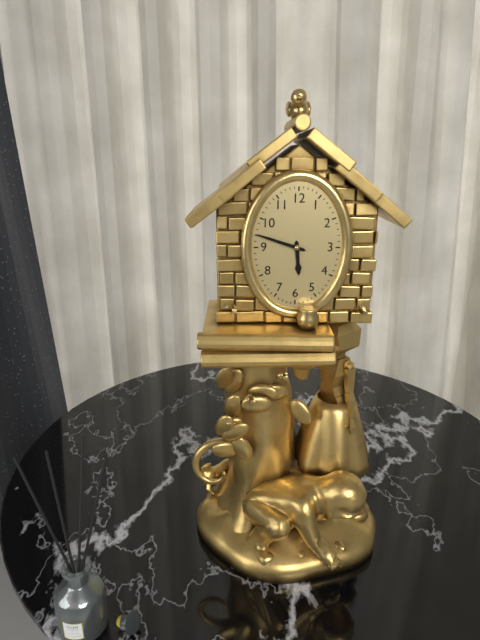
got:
5:48
